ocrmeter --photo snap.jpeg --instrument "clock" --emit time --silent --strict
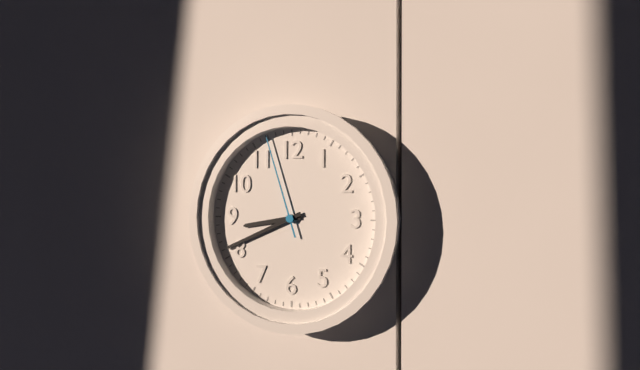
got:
8:41:57
